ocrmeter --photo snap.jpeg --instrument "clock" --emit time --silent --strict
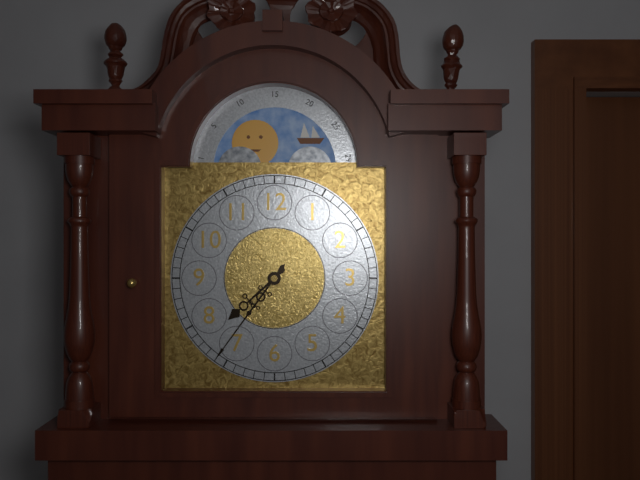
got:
7:36
